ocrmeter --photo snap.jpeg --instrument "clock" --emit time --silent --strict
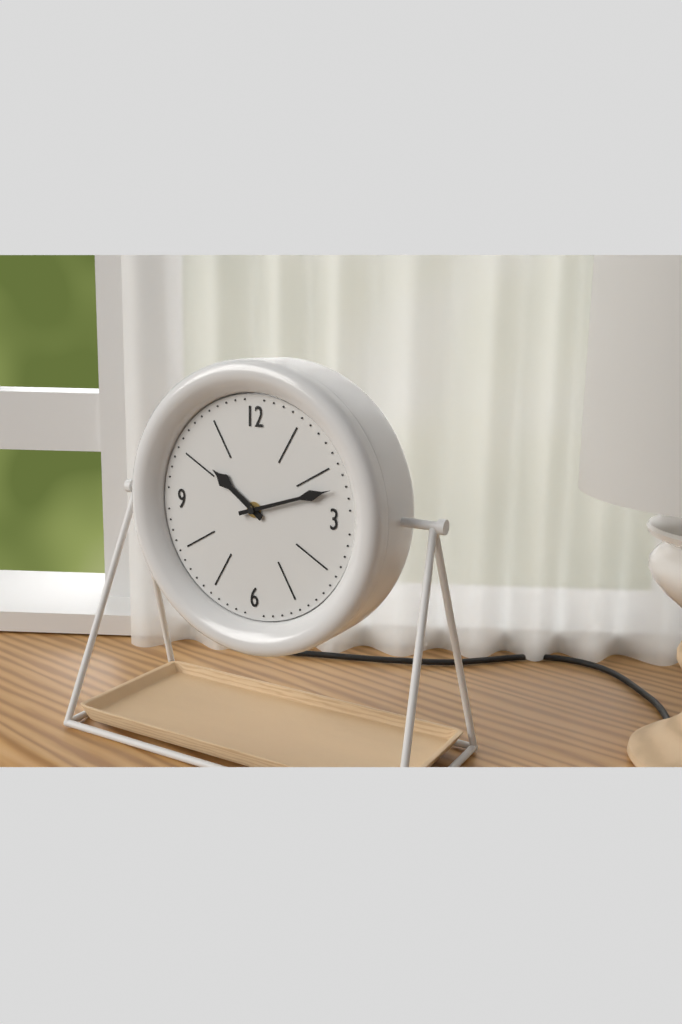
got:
10:12
